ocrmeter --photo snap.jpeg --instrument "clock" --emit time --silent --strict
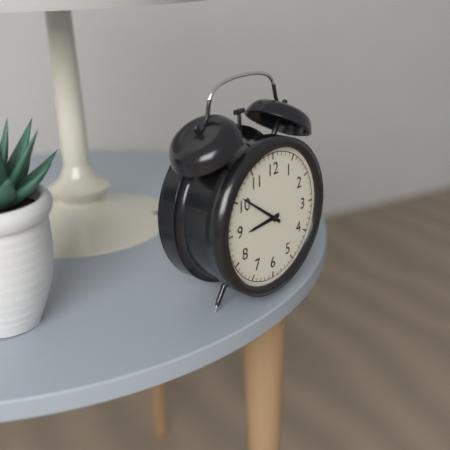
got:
8:51
